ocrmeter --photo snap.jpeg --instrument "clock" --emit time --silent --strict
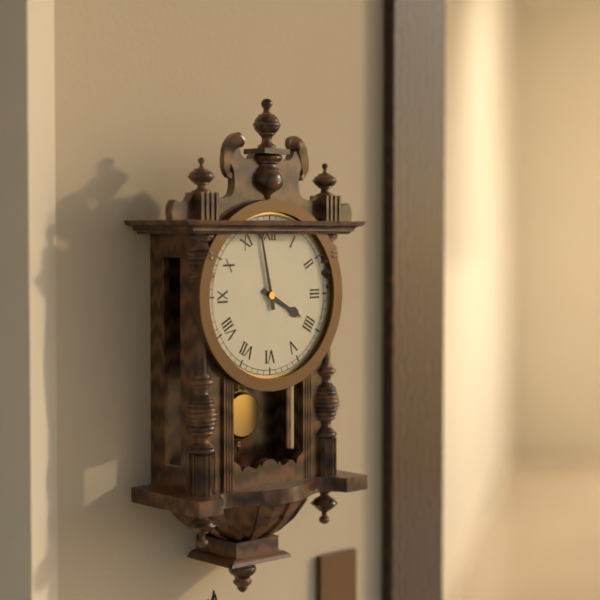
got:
3:58
